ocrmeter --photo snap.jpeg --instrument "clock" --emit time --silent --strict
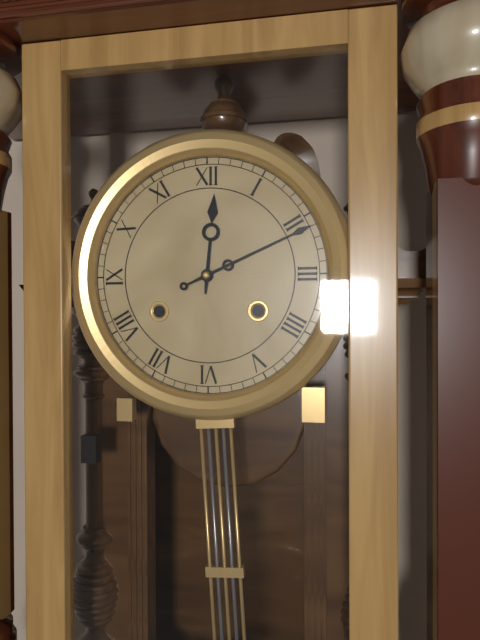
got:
12:11
